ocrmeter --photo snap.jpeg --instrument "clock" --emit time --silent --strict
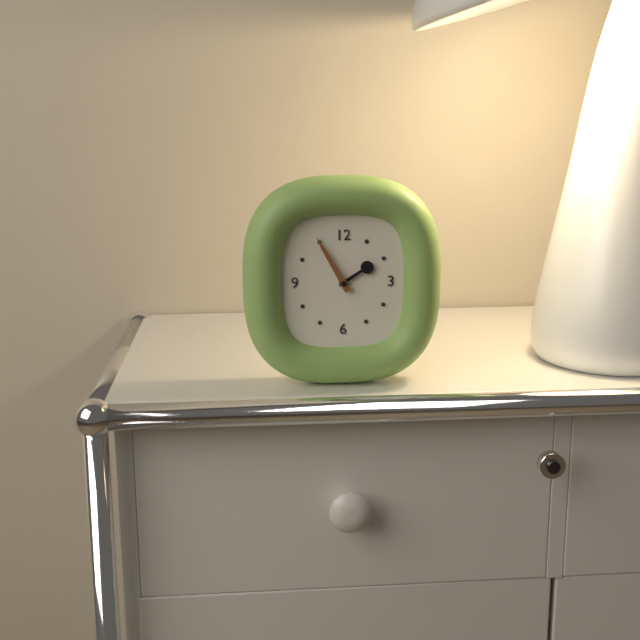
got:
1:55
